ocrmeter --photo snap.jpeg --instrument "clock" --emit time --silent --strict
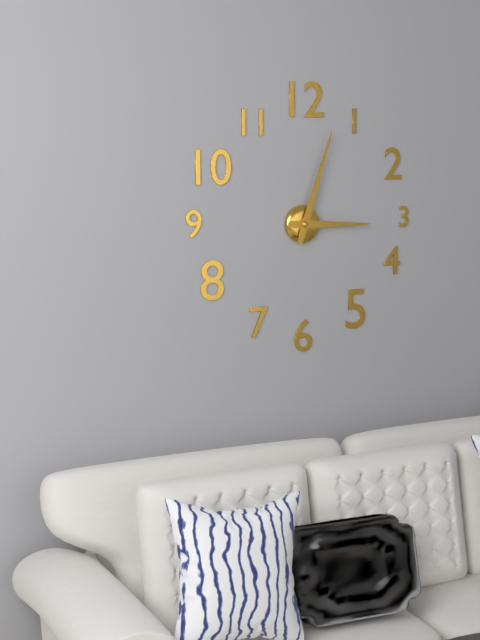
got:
3:03
